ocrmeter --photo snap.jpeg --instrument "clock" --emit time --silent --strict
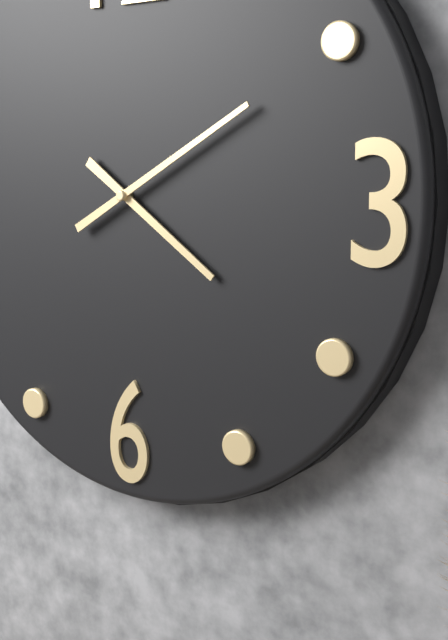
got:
4:10
